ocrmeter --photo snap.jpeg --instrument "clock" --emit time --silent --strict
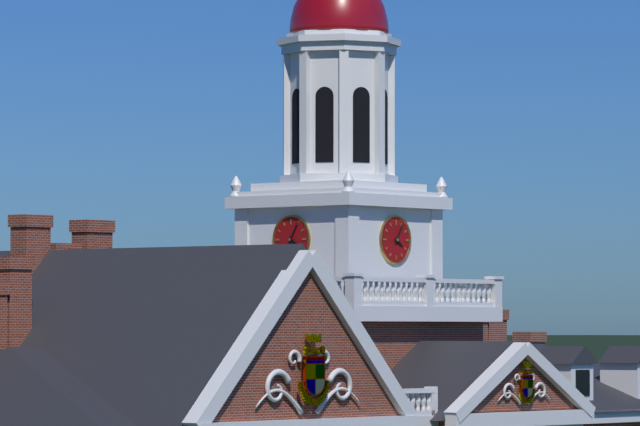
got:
4:05
